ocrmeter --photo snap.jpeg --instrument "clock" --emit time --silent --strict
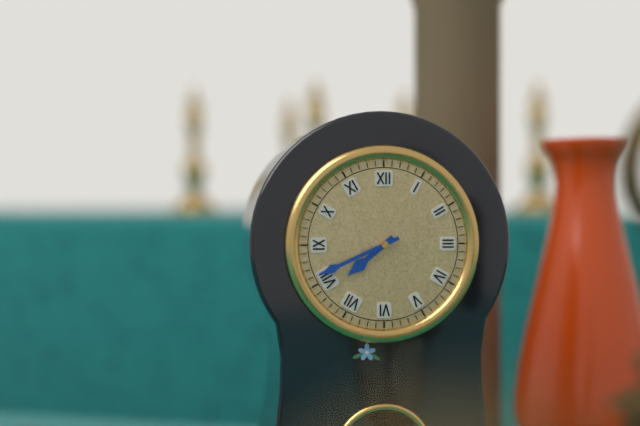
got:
7:41
